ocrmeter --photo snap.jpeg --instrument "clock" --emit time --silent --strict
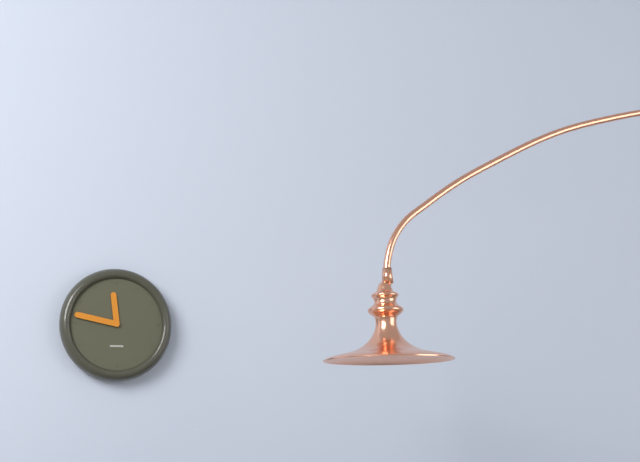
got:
11:47
